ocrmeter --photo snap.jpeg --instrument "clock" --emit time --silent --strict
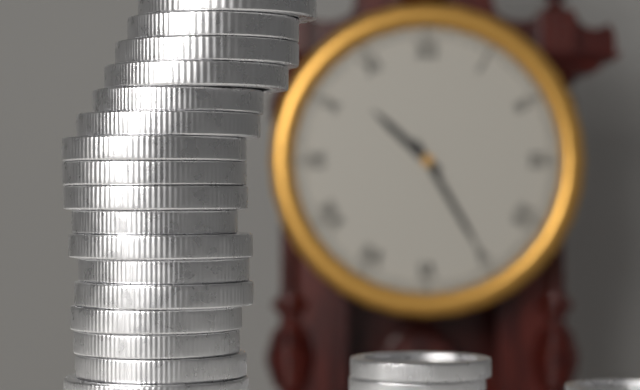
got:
10:25
